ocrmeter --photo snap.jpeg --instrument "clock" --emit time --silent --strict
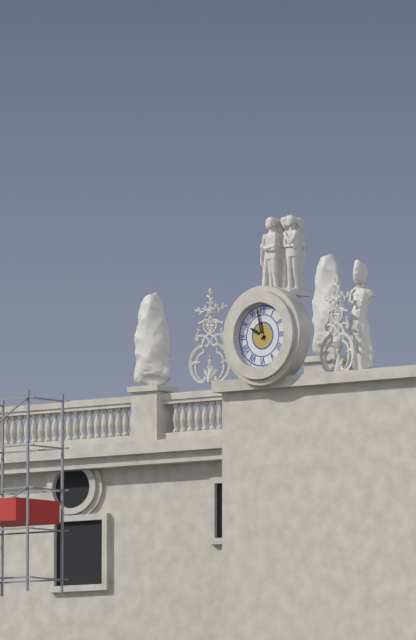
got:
9:58
